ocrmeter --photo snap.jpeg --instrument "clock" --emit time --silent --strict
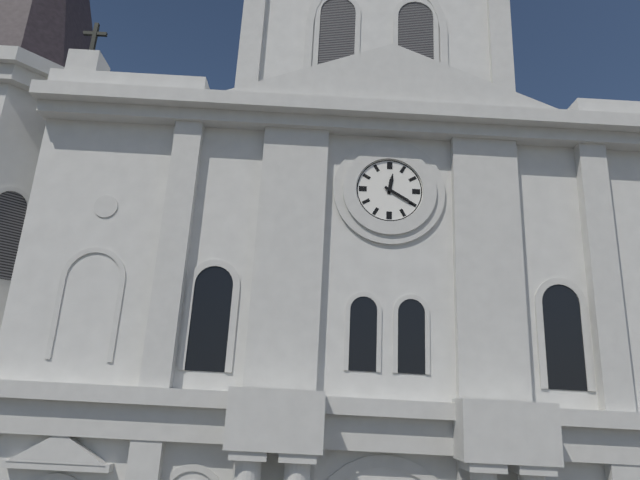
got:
12:20
